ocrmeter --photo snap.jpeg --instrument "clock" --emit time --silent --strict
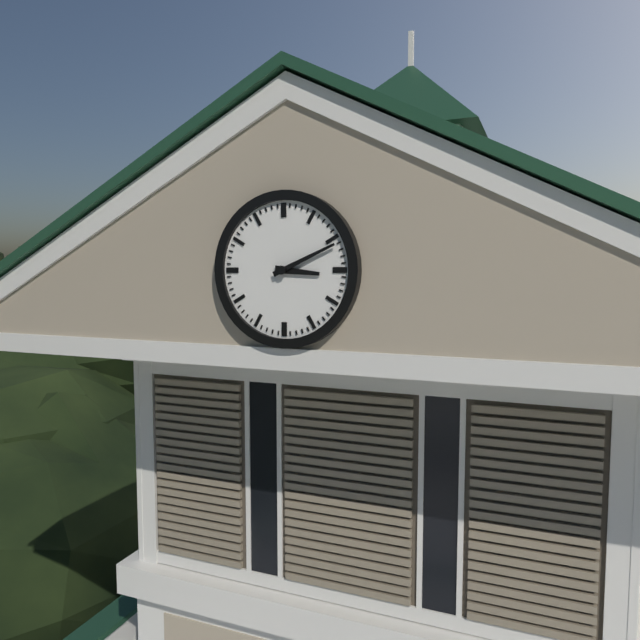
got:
3:11
